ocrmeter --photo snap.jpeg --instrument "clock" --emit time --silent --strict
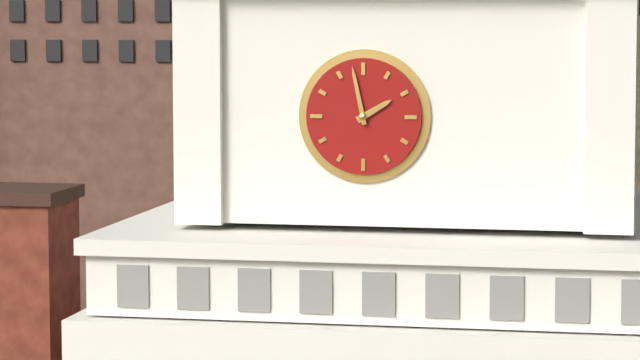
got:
1:58
